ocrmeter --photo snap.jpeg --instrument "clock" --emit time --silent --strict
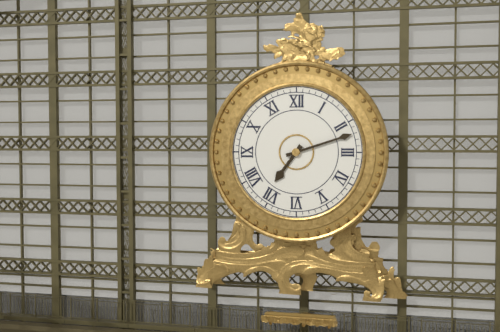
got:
7:12
